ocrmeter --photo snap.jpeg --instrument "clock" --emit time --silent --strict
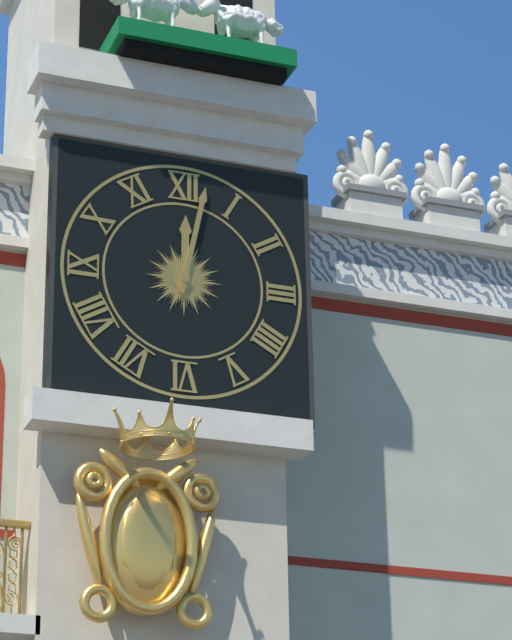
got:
12:02
